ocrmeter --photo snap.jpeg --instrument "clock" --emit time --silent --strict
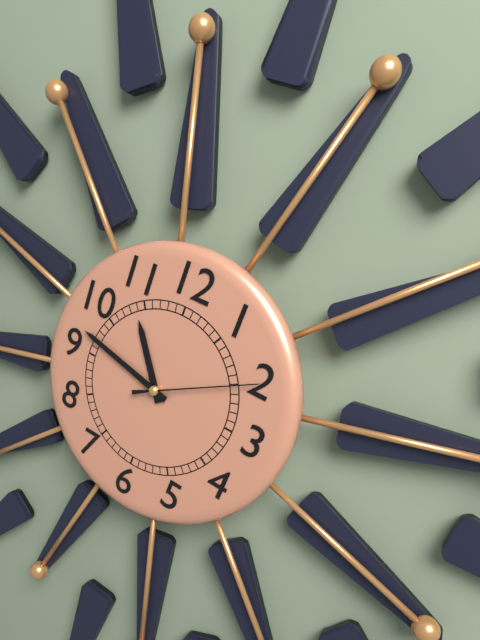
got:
10:47:10
